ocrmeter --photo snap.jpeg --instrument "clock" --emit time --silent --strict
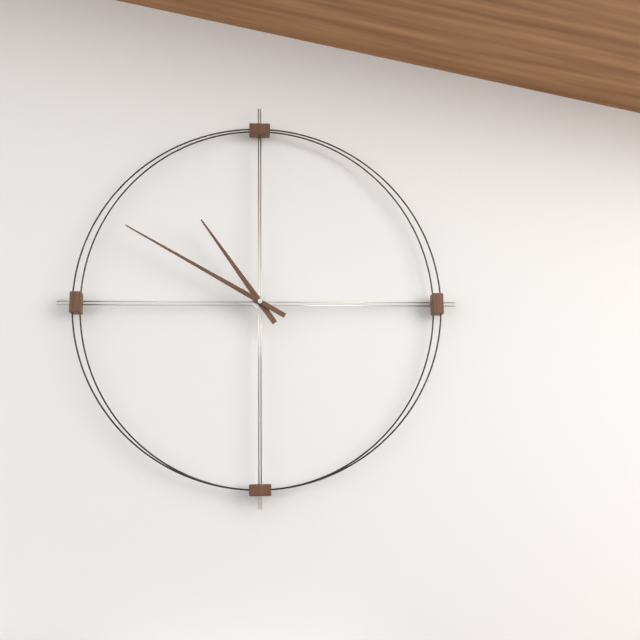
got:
10:50
